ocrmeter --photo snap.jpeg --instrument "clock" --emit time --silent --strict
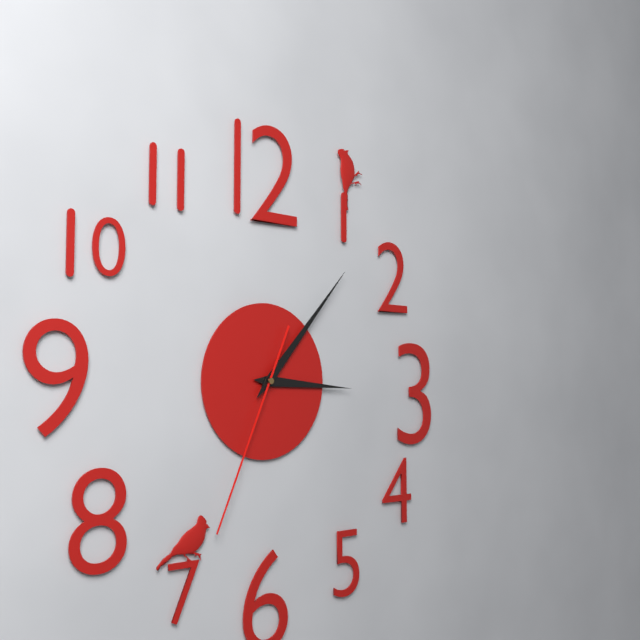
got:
3:07:34
